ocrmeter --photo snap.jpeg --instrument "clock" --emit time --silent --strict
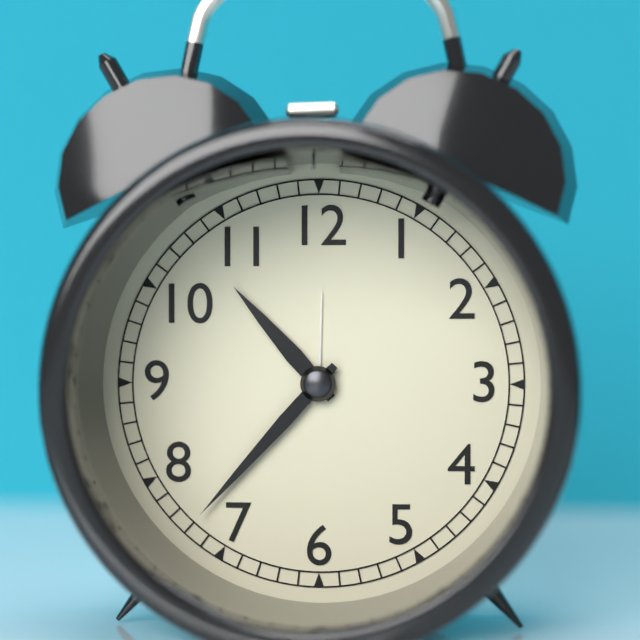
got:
10:37
